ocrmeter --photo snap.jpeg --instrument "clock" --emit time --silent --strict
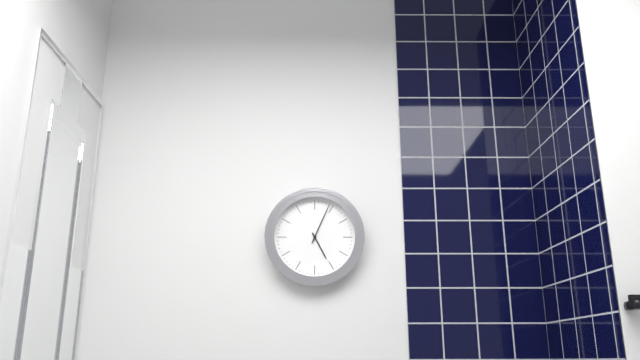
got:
5:04
